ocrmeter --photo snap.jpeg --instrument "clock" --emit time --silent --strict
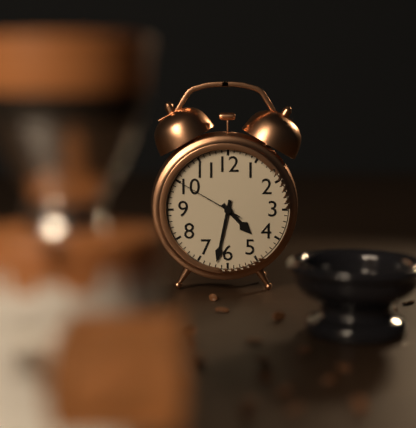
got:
4:32:50
